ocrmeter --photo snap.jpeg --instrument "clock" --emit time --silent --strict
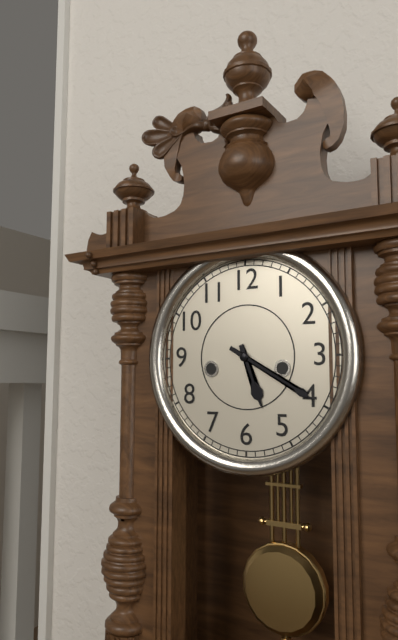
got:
5:20
